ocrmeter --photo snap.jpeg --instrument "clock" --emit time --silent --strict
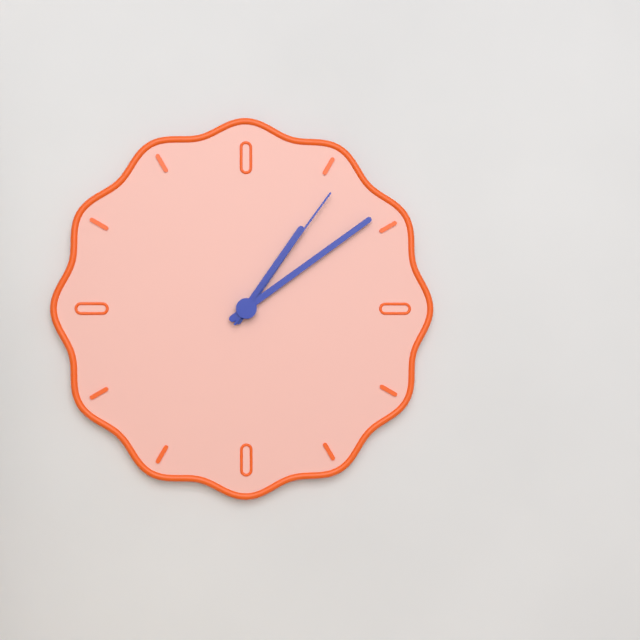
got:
1:09:06
